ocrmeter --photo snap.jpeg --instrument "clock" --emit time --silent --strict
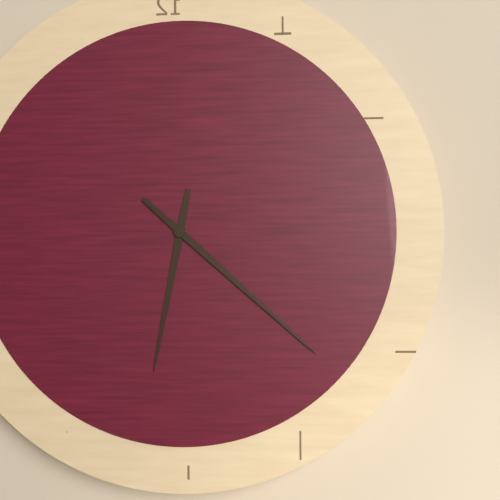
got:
6:22
